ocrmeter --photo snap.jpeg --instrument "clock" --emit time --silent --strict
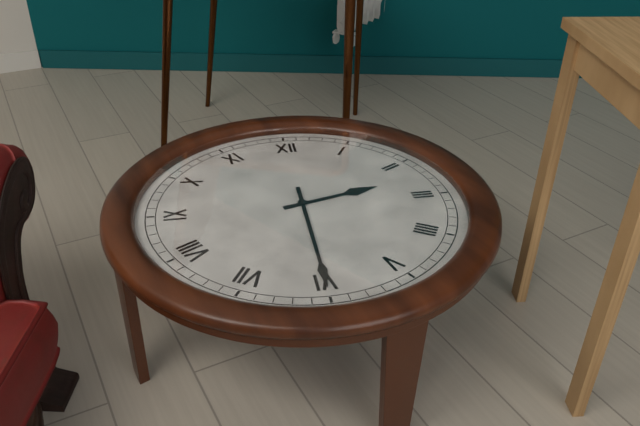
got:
2:30
